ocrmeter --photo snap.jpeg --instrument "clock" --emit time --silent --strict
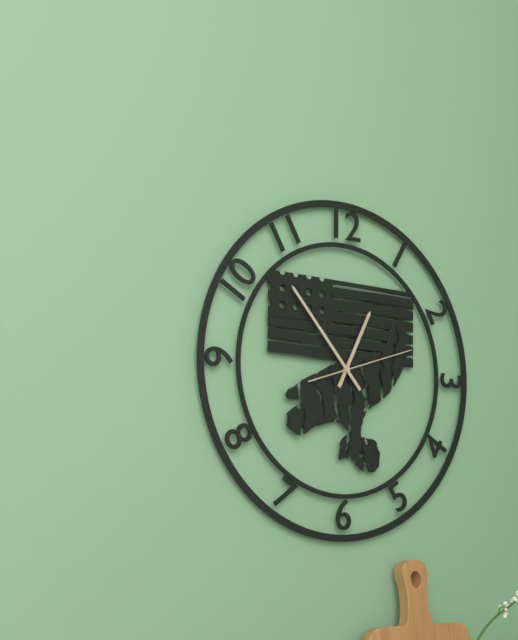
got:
12:53:12
